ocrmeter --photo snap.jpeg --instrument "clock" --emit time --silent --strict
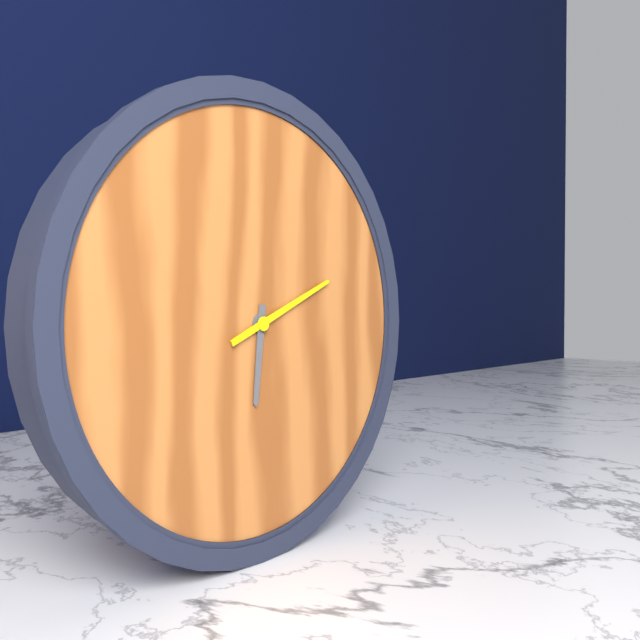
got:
6:11
